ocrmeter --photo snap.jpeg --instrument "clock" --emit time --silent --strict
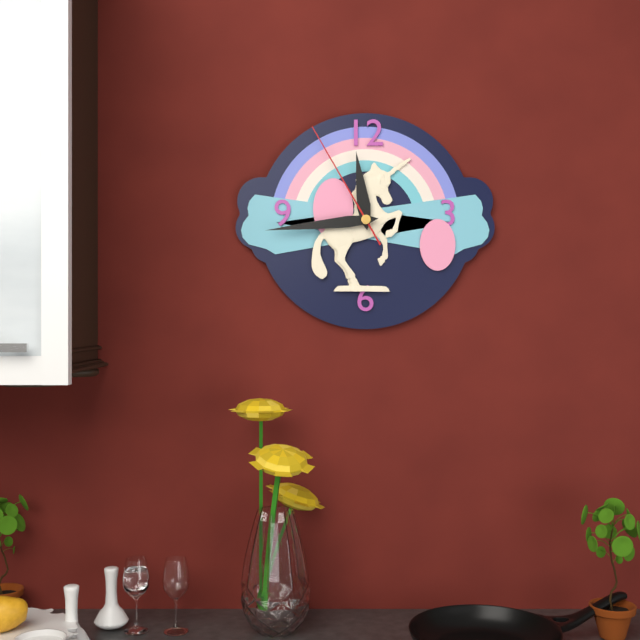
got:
11:44:55
